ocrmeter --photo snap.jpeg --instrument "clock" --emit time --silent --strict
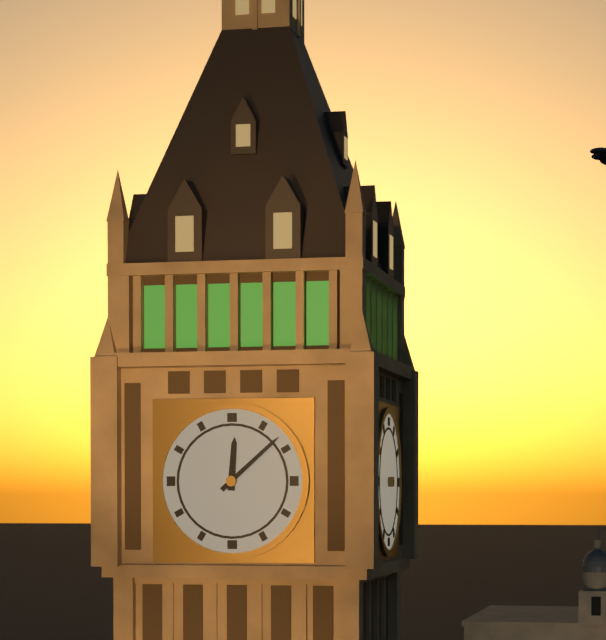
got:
12:08
